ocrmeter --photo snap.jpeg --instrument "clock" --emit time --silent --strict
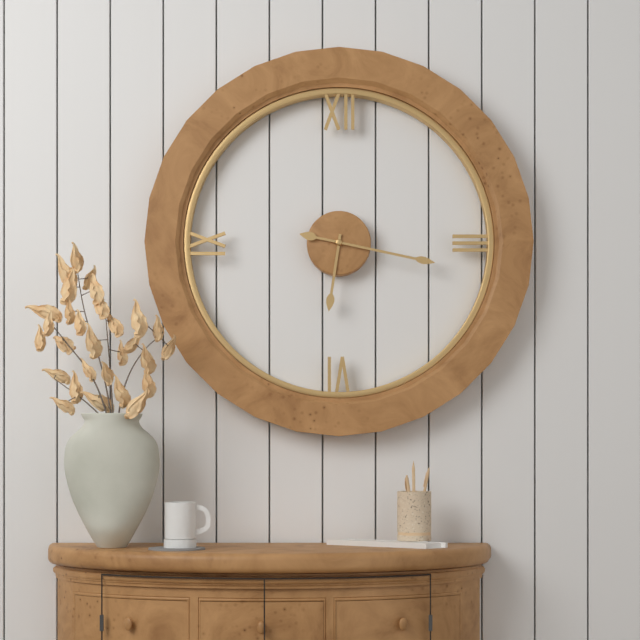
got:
6:17
